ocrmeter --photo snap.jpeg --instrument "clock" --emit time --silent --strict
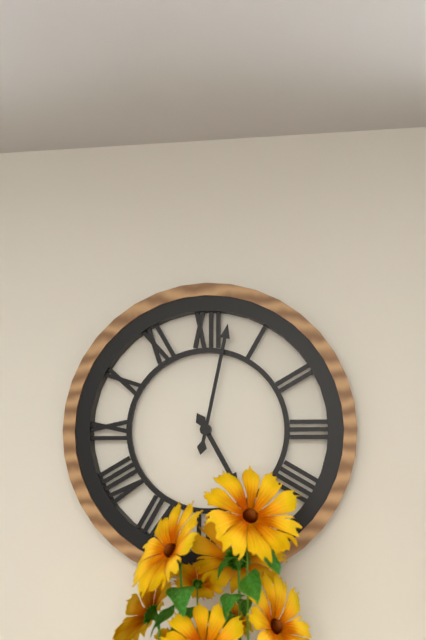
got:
5:02
